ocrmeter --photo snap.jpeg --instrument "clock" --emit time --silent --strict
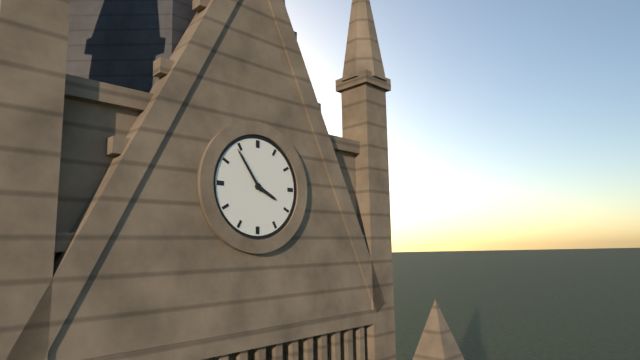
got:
3:54
